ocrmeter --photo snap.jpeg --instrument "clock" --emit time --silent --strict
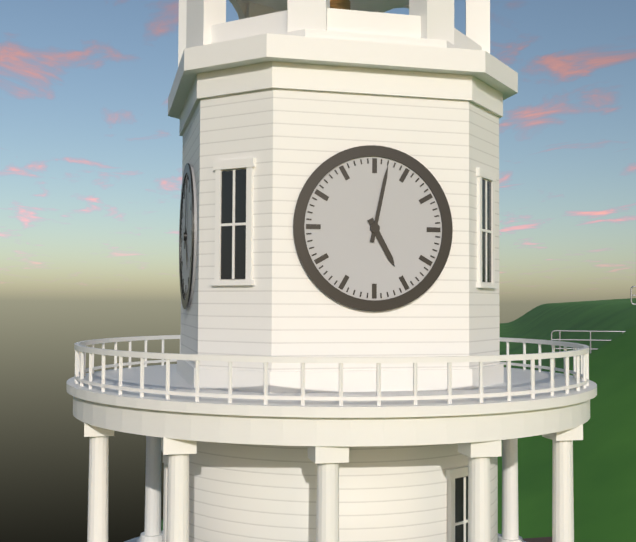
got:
5:02
